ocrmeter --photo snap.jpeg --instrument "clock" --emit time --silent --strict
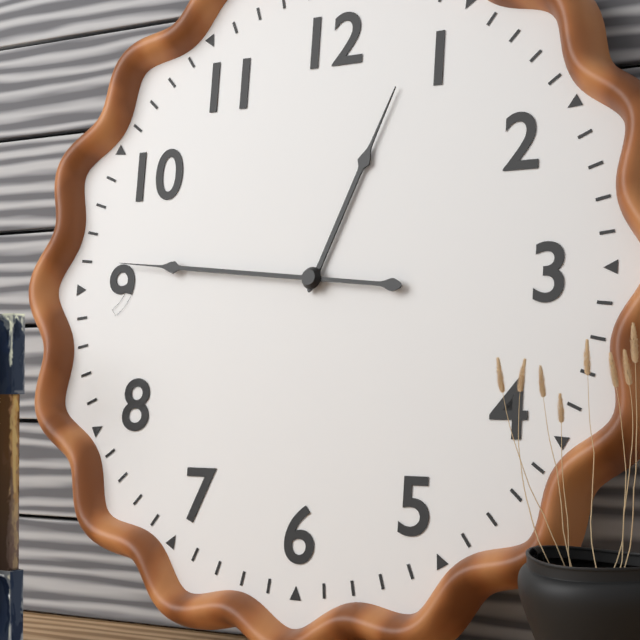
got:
12:46
